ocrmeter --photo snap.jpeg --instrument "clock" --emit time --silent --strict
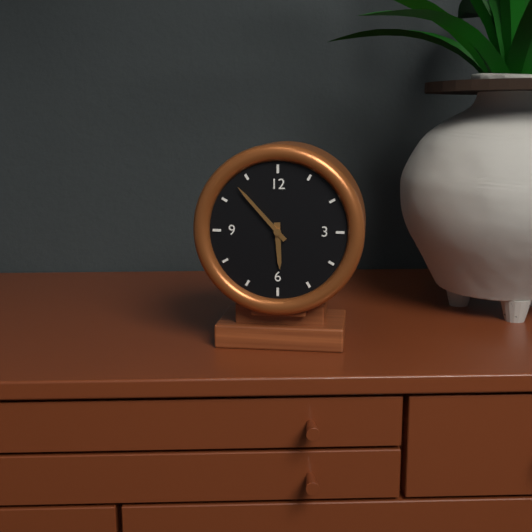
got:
5:53
